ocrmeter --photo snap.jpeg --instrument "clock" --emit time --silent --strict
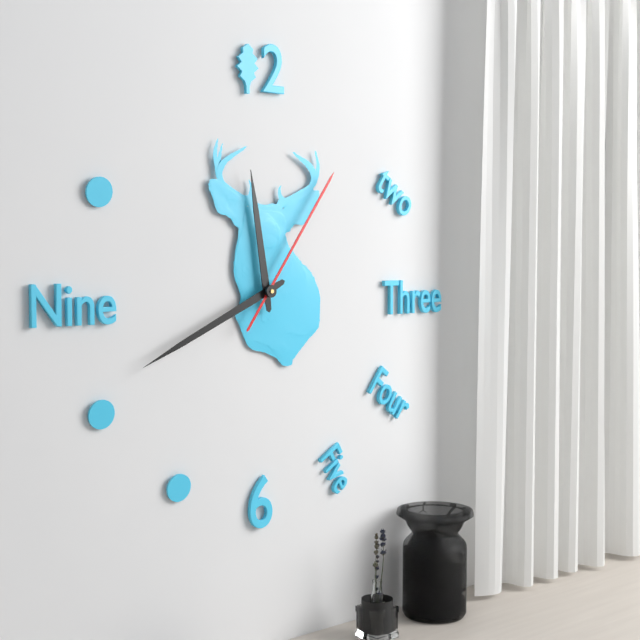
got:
11:41:06
